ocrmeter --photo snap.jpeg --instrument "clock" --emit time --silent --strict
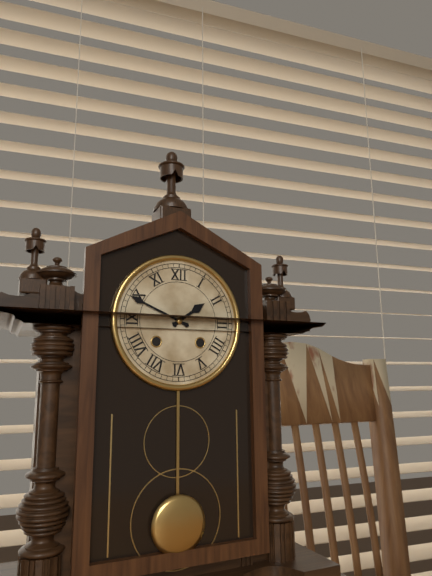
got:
1:49
